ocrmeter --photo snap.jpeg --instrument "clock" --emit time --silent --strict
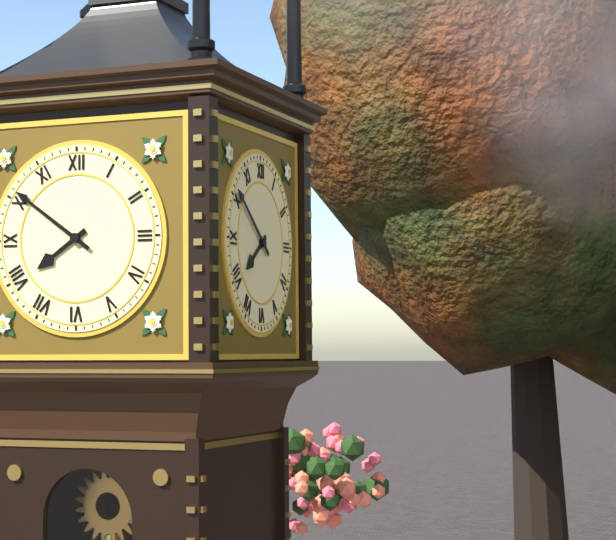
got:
7:51
